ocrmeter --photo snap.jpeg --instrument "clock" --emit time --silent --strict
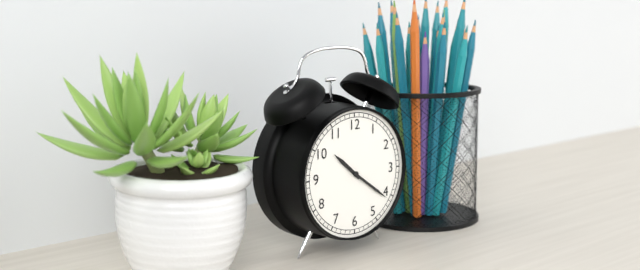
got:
10:21
